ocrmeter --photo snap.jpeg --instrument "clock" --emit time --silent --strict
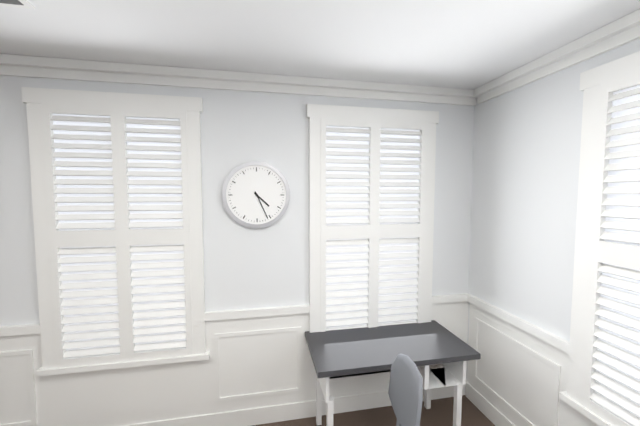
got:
4:26
